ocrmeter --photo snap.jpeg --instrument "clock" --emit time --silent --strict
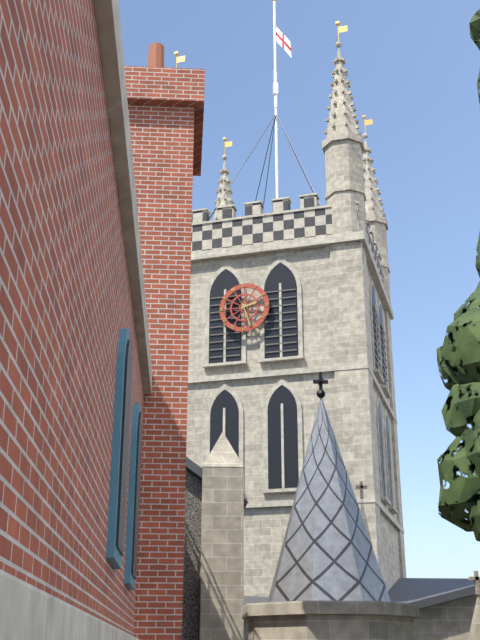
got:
2:27
